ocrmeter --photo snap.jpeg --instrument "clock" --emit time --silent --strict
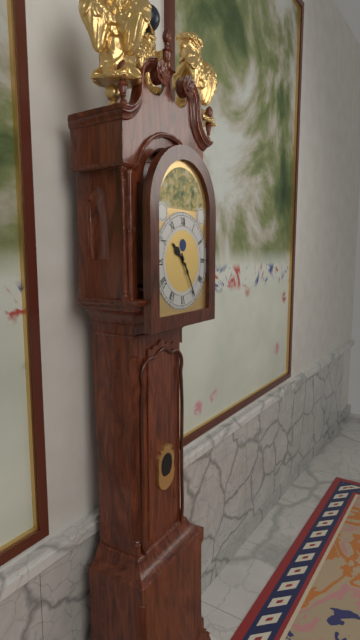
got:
10:25
